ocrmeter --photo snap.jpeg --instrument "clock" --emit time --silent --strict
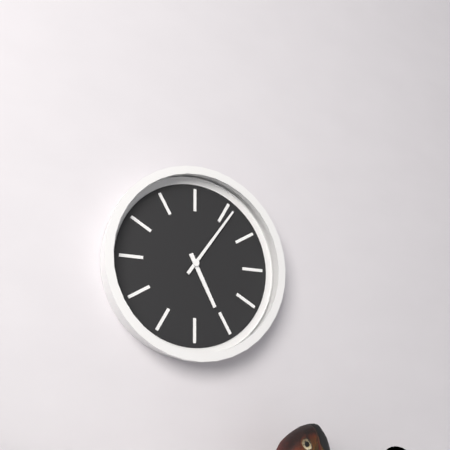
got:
5:06
